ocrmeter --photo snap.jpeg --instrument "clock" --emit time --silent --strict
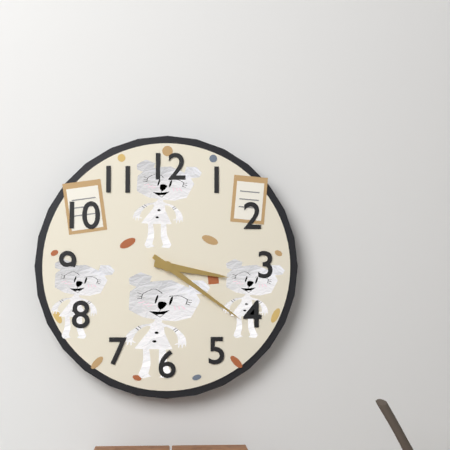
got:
3:21
